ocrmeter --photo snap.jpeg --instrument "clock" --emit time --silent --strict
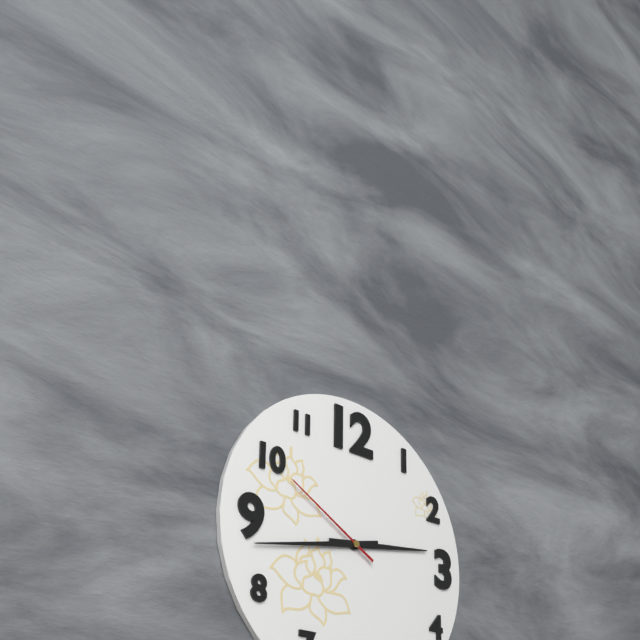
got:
2:43:50
